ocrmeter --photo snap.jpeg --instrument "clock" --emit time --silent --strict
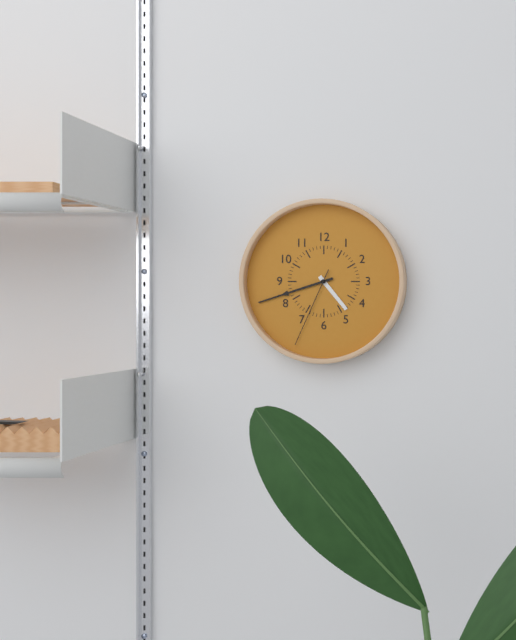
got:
4:42:34
